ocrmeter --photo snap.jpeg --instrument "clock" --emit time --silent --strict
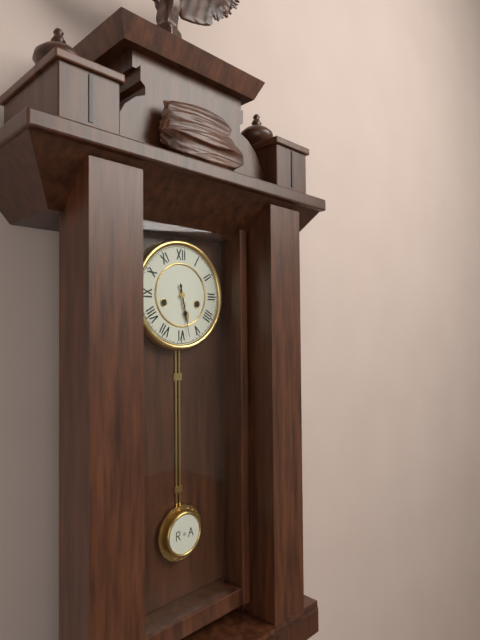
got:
5:28
